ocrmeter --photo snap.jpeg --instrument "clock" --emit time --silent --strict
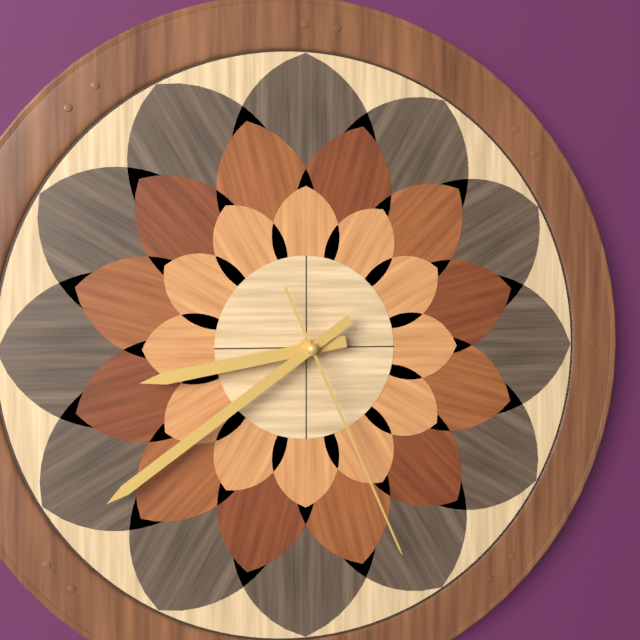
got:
8:39:26
